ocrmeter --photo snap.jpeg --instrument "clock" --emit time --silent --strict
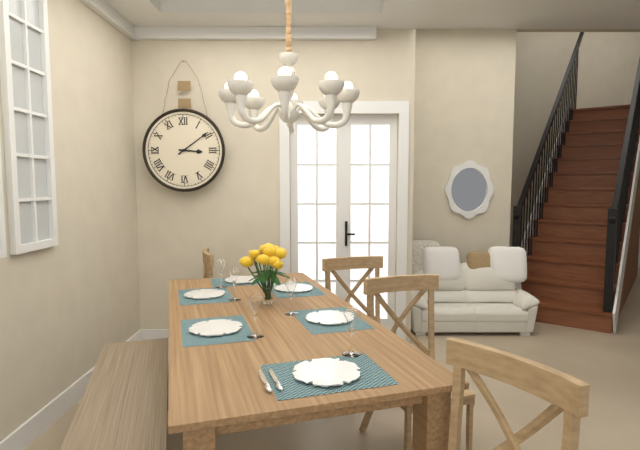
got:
3:09
